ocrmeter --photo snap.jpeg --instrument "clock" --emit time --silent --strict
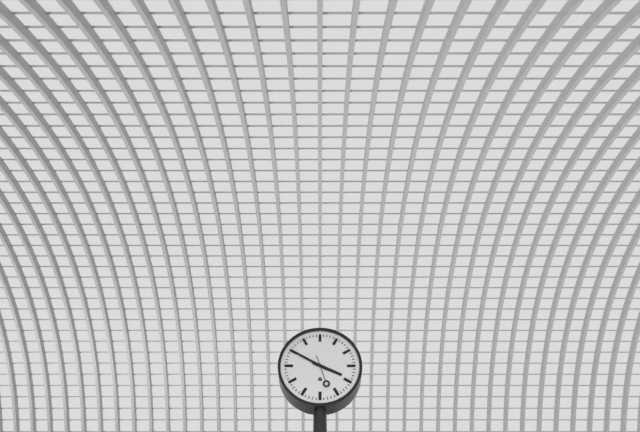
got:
3:50
